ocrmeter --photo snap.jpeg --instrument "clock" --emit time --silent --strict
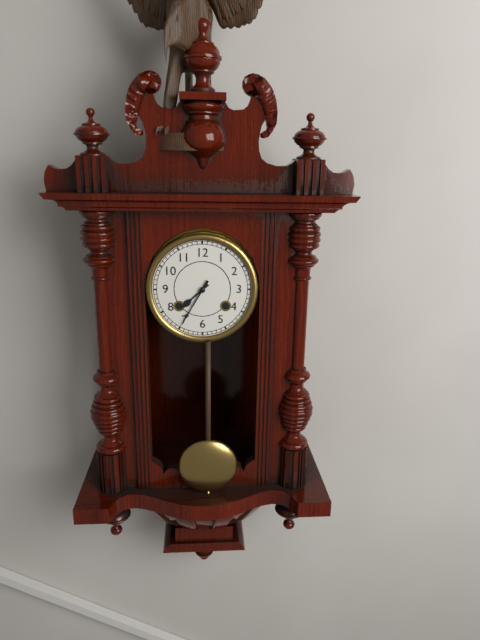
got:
7:35
